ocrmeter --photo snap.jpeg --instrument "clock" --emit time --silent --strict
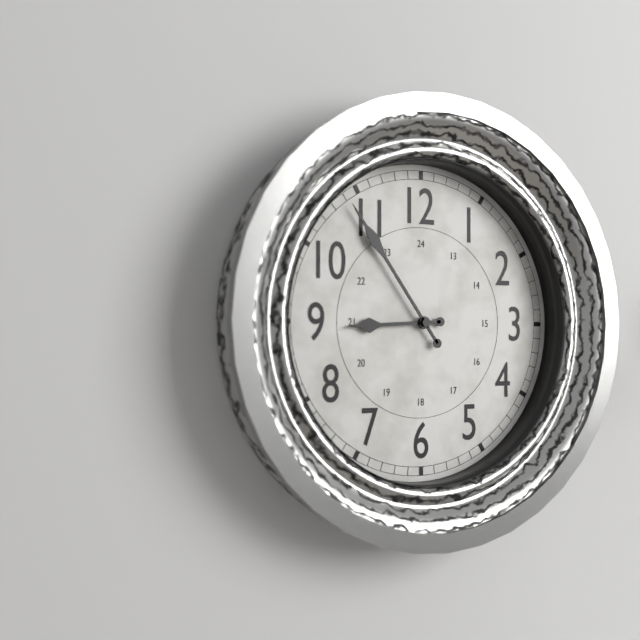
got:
8:54
